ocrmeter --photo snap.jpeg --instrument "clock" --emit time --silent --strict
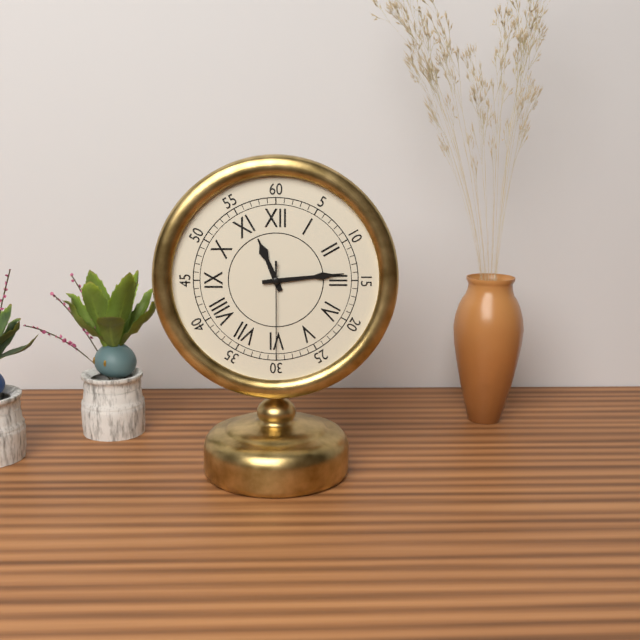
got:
11:14:30
